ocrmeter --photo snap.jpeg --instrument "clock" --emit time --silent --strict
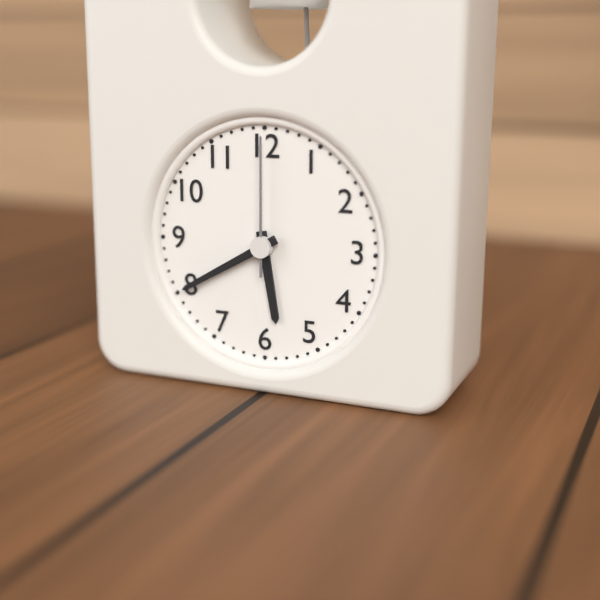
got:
5:40:00
